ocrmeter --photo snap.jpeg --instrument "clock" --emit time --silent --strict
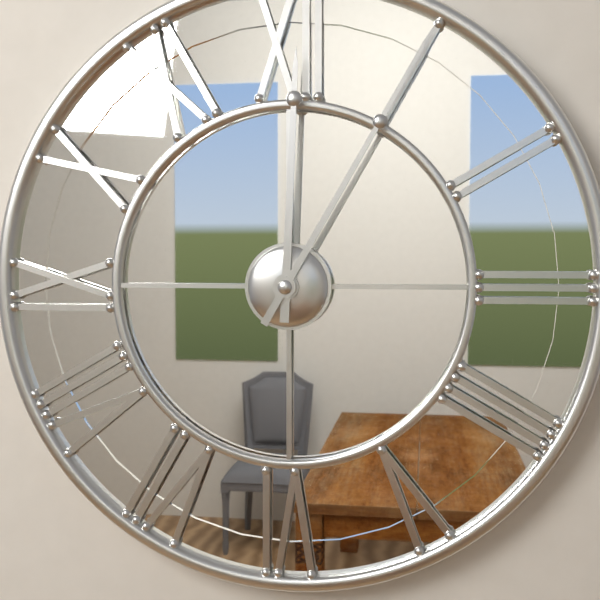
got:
12:05
